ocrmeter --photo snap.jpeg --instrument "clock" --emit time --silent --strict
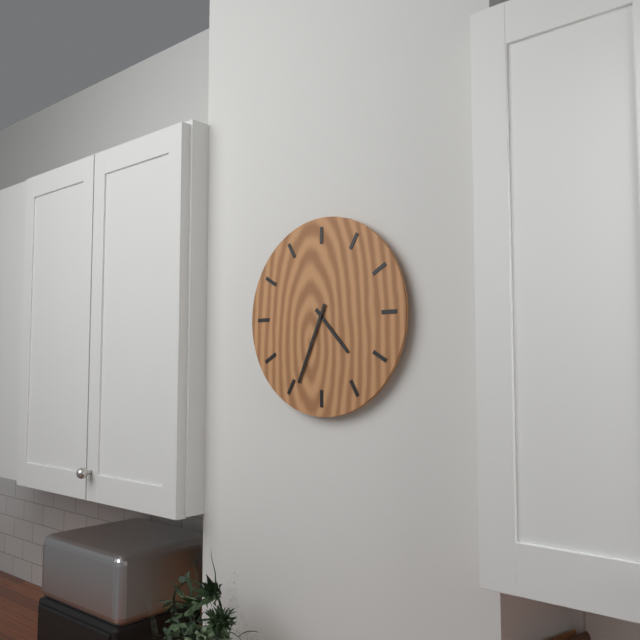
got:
4:34
